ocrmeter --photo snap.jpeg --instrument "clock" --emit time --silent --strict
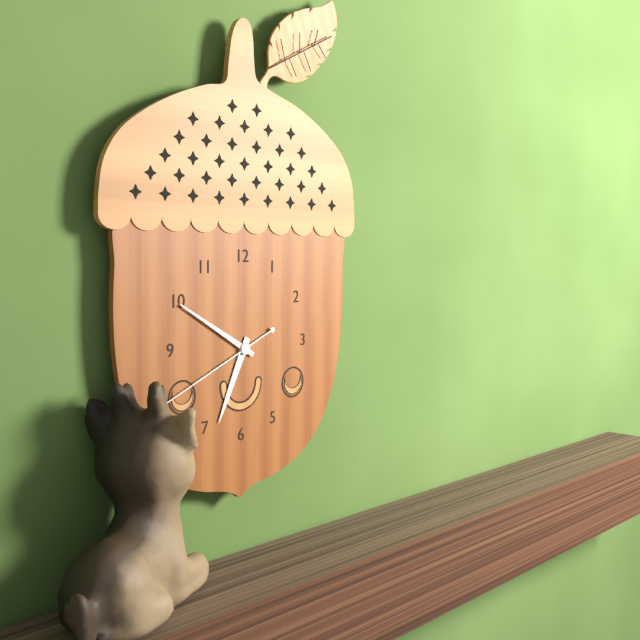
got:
6:50:41
